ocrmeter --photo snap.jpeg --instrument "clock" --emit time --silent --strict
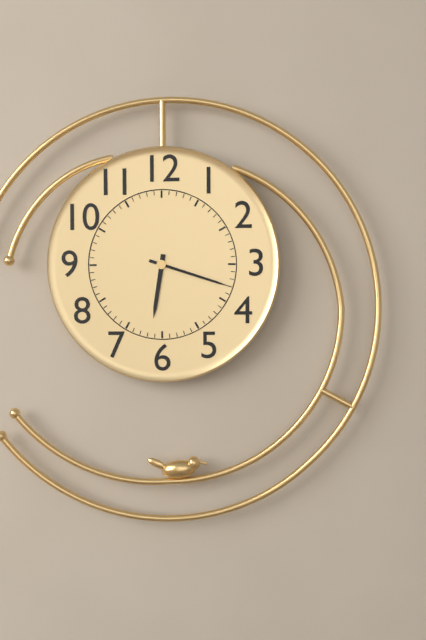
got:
6:18
